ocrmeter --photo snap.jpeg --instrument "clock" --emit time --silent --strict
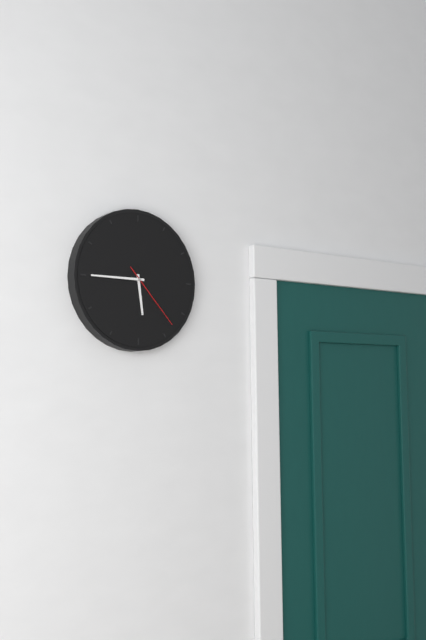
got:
5:45:23
